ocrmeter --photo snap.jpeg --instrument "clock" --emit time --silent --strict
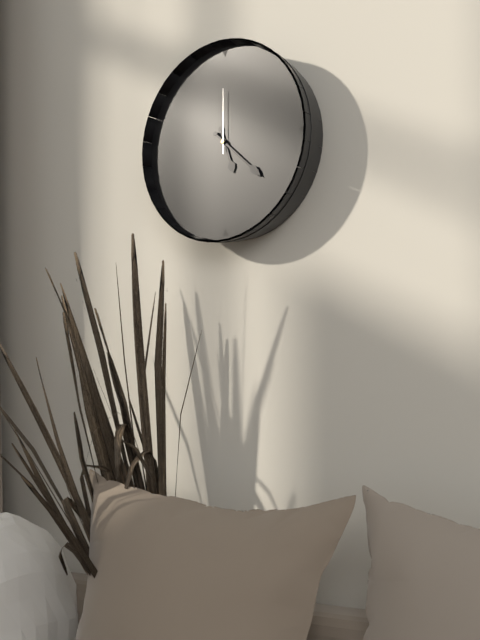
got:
5:22:00
